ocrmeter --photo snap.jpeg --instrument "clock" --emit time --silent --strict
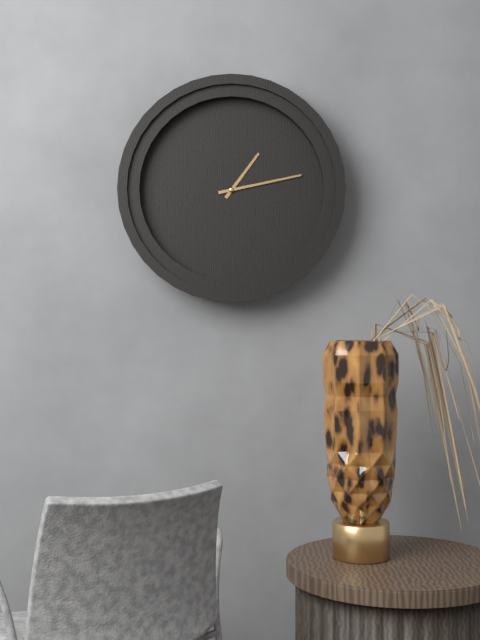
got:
1:13
